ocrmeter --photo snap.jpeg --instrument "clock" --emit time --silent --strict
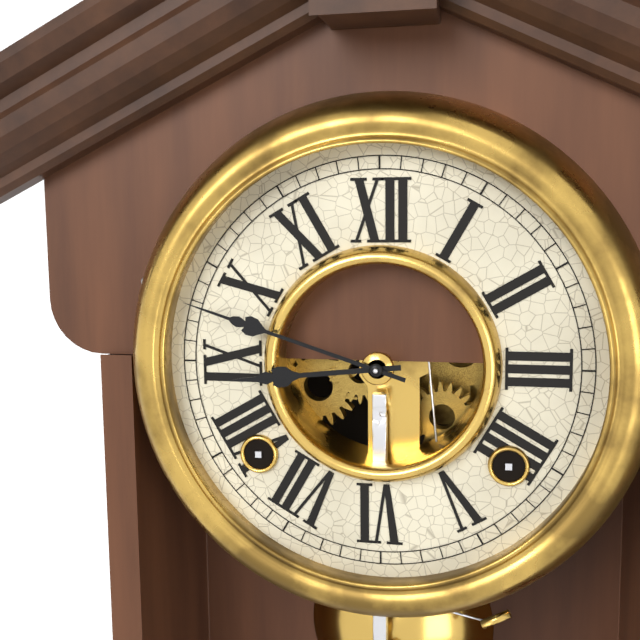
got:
8:48
